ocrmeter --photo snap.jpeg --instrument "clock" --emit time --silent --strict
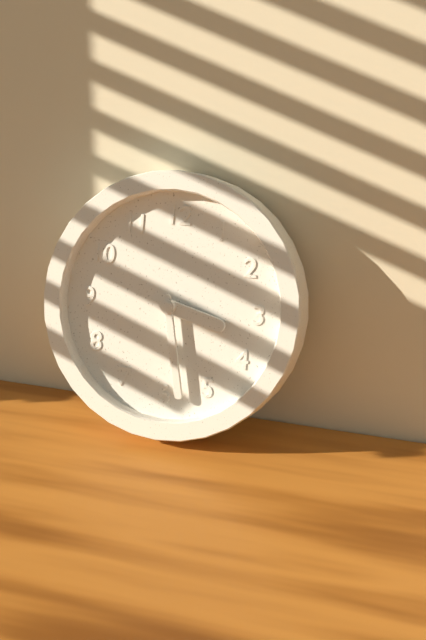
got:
3:28
